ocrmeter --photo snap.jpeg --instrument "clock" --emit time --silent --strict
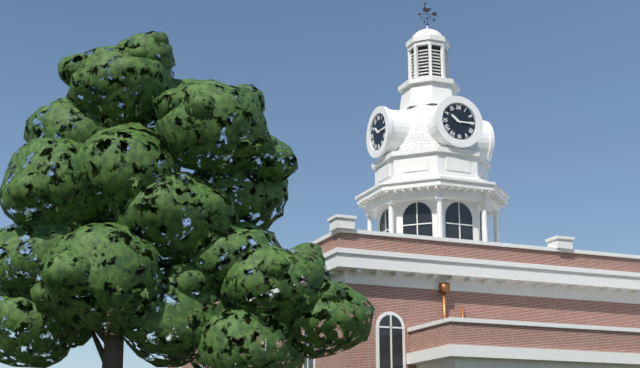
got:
10:15
